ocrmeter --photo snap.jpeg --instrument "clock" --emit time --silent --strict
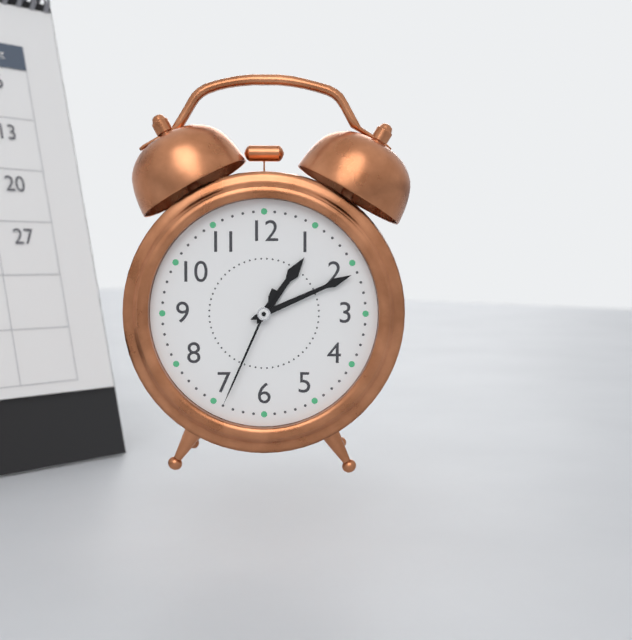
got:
1:11:34
